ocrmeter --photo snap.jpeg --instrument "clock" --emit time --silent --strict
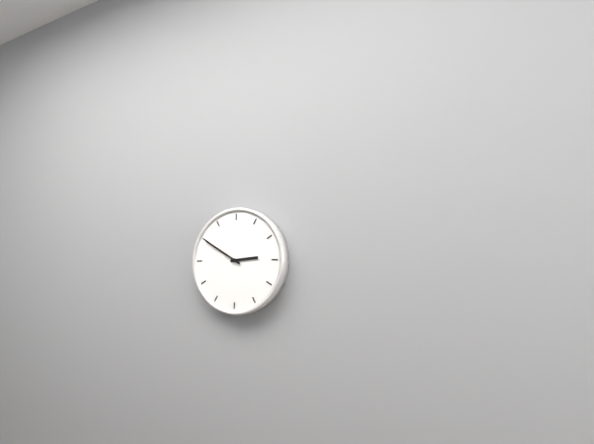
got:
2:50
